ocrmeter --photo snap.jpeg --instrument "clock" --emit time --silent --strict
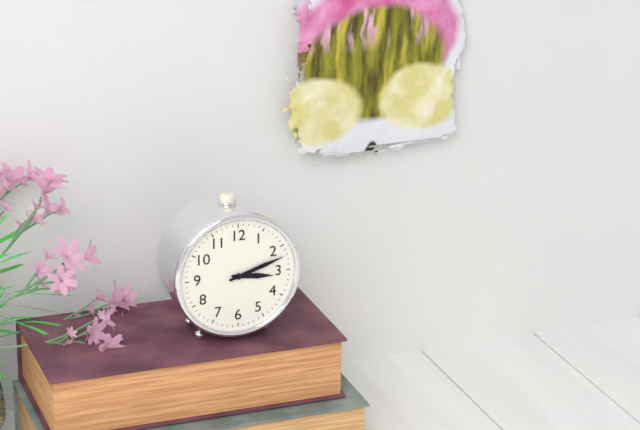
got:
3:12
